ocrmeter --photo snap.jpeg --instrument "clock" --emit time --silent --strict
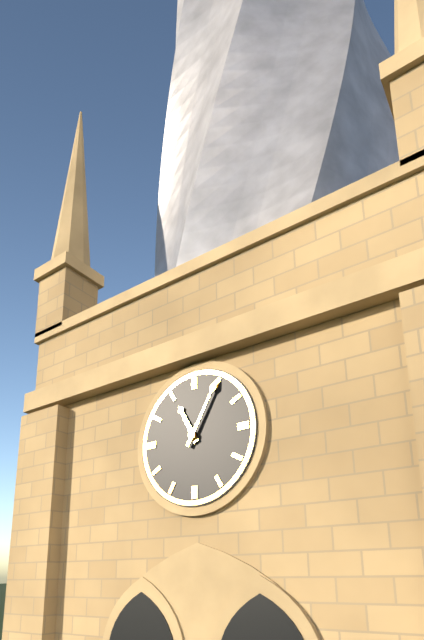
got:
11:05
